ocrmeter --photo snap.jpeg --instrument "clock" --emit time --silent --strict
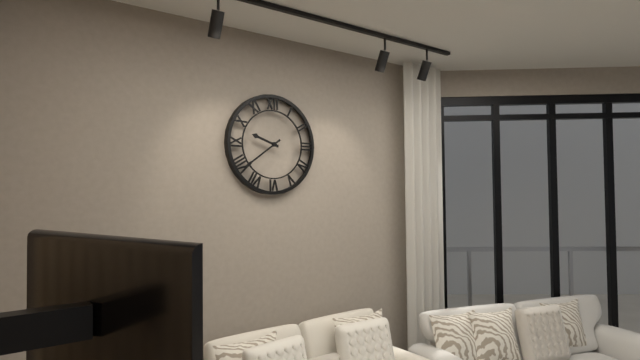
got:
9:39
